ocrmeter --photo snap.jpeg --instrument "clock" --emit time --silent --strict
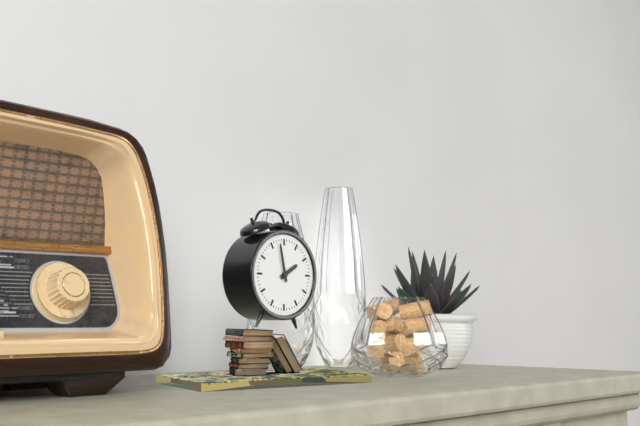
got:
1:58
